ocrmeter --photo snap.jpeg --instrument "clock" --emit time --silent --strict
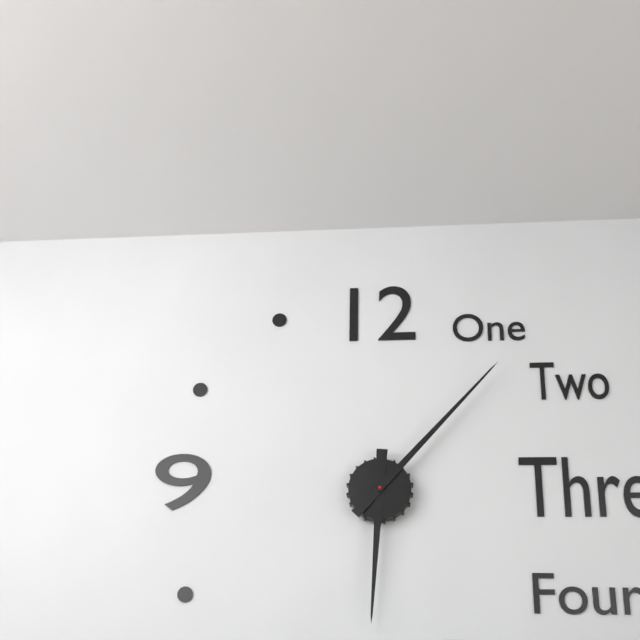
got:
6:07
